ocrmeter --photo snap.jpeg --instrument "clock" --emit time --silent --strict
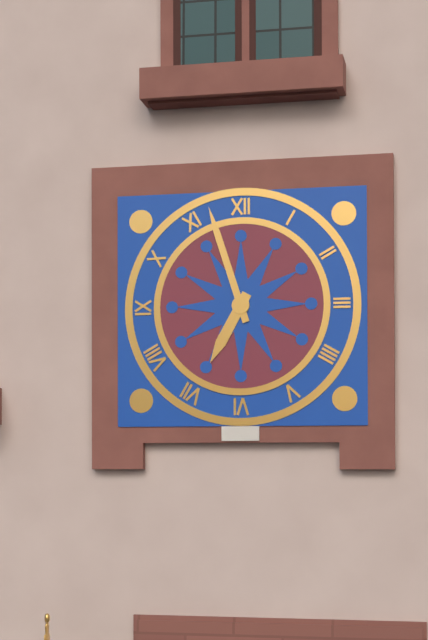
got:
6:57
